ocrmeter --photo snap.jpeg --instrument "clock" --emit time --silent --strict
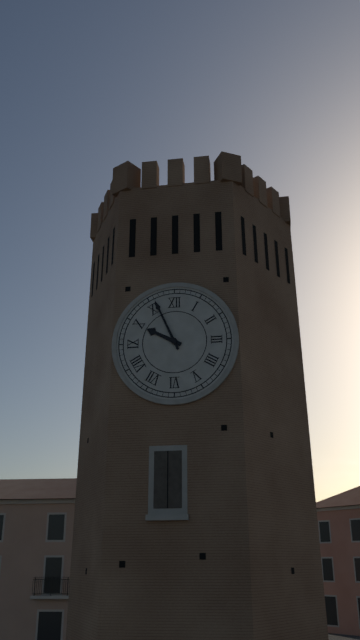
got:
9:56
